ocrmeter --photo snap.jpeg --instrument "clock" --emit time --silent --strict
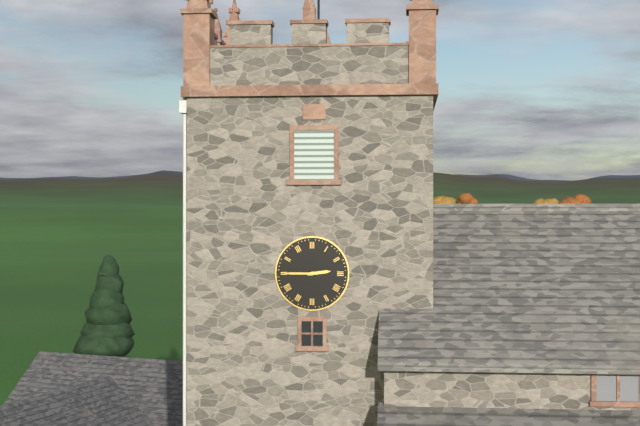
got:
2:45
